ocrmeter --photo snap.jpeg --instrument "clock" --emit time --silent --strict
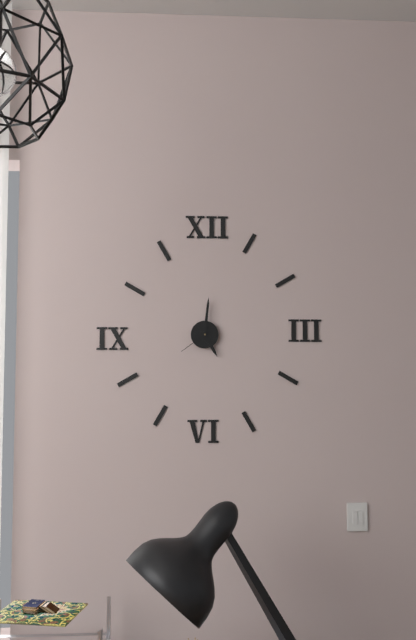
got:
5:01
